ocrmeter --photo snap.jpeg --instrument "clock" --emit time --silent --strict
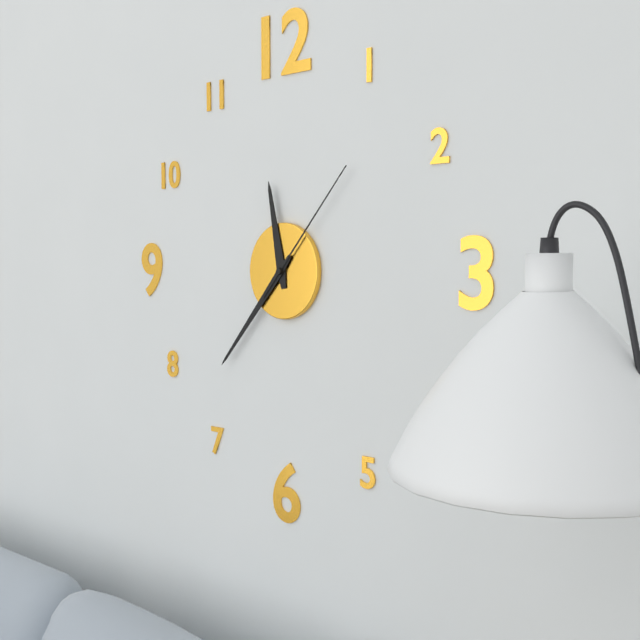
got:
11:37:07
